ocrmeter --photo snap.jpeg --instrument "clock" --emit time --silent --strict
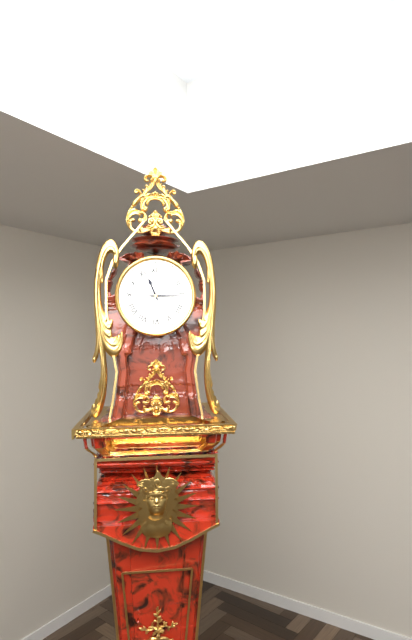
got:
11:15
